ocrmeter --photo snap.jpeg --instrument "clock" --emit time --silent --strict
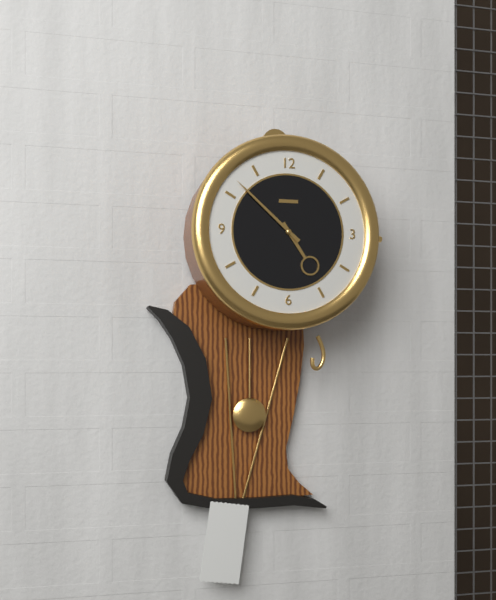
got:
4:52
